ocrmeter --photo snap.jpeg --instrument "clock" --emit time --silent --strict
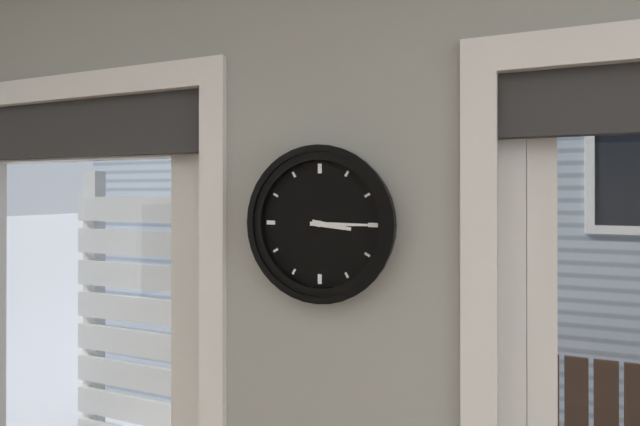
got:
3:15
